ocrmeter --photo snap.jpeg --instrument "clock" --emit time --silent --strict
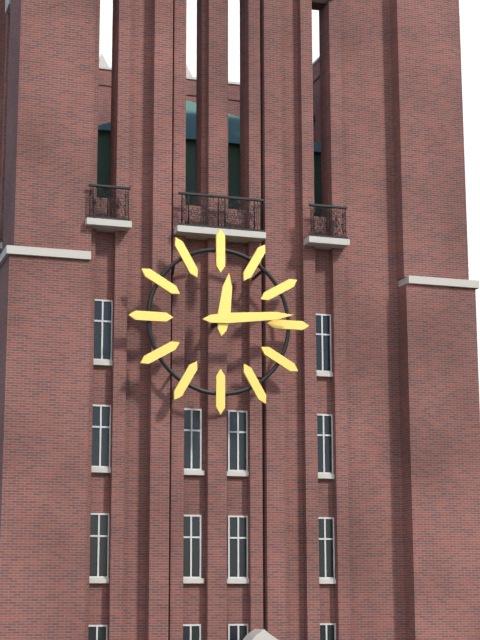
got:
12:14
